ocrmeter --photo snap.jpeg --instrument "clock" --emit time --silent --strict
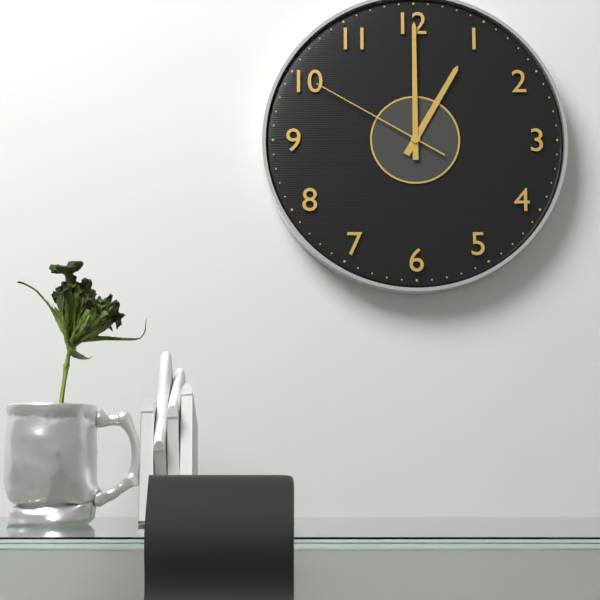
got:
1:00:50
